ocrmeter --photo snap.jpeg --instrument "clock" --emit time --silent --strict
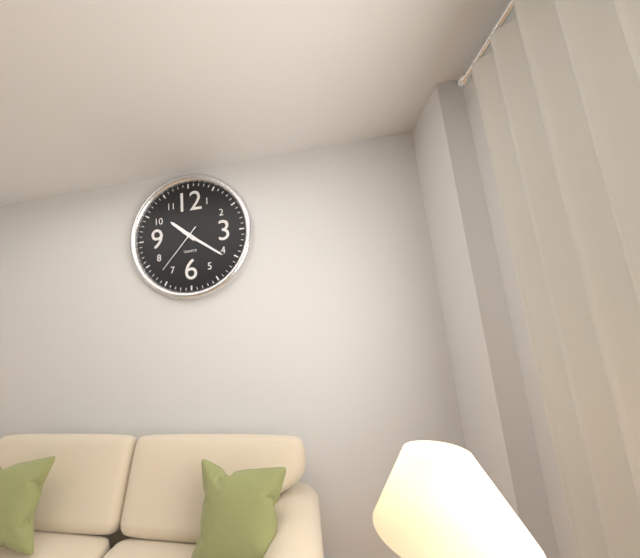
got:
10:21:37
